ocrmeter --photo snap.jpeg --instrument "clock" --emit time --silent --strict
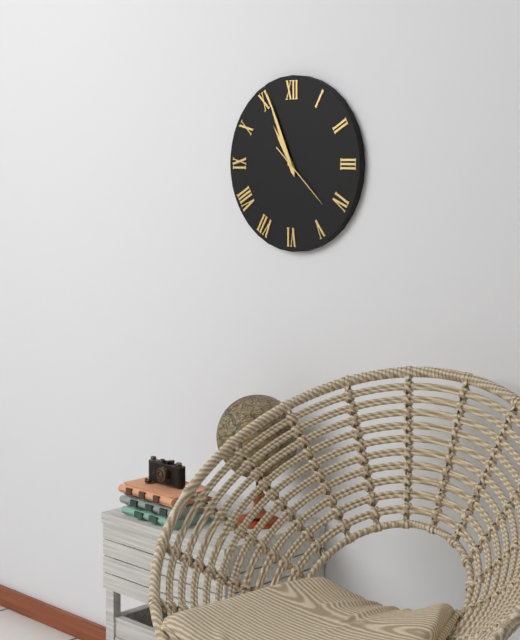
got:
10:56:22
